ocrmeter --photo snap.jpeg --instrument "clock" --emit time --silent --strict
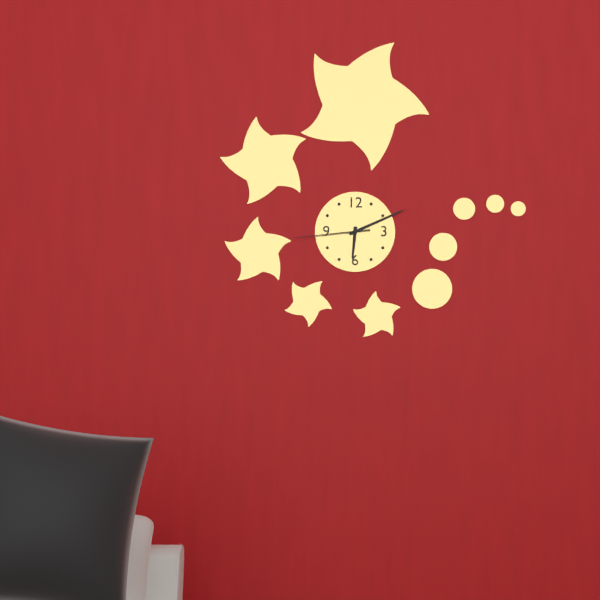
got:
6:11:44
